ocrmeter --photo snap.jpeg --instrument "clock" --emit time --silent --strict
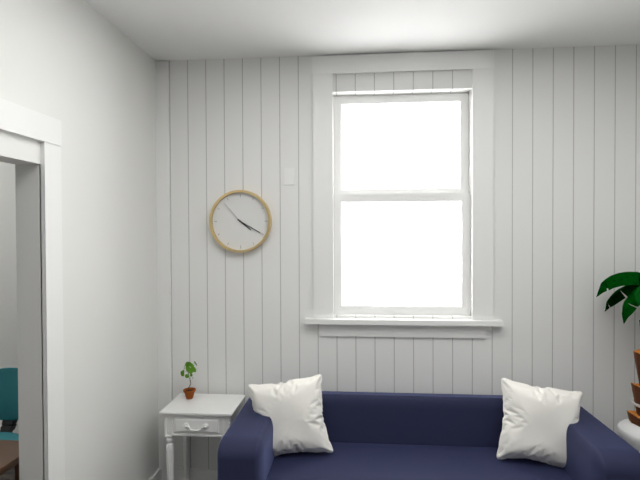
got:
4:20
